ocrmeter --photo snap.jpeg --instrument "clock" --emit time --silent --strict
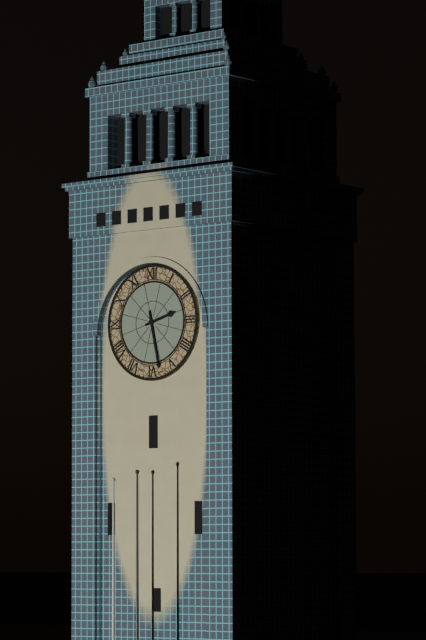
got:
2:28
